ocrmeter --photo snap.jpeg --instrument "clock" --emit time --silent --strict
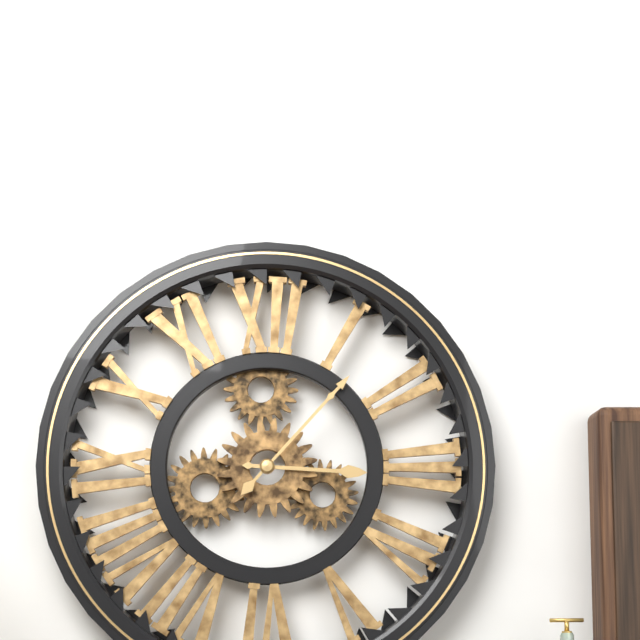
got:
3:07
